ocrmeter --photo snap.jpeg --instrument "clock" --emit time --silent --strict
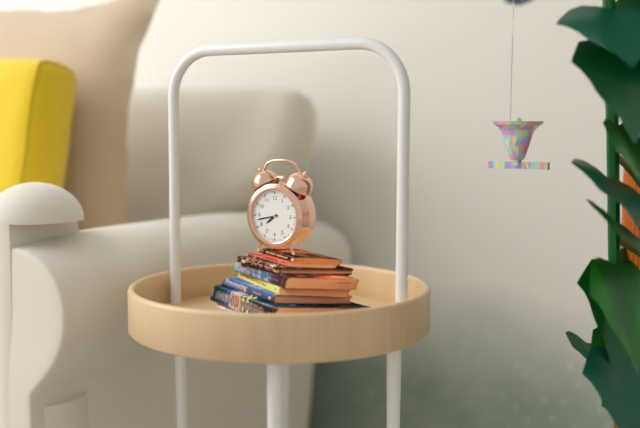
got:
7:43
